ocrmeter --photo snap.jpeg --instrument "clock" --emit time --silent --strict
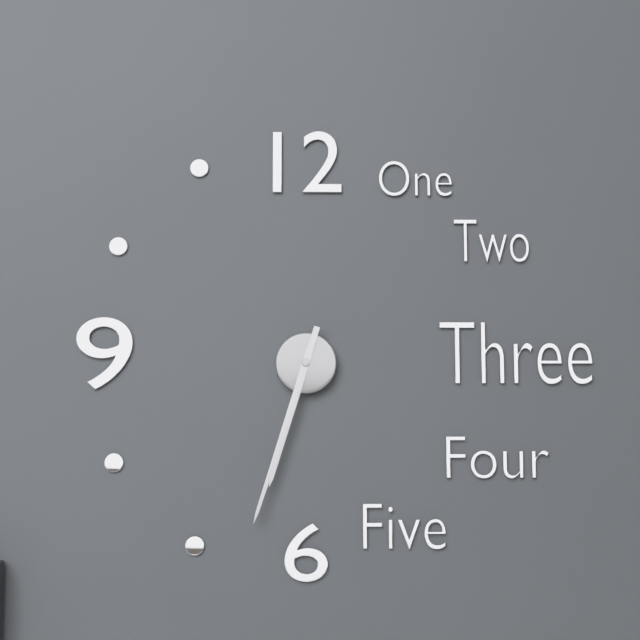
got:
6:33
